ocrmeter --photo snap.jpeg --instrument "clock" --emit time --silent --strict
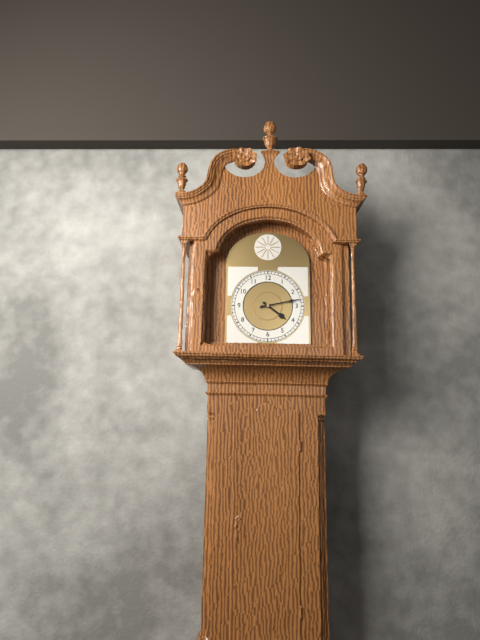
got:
4:13
